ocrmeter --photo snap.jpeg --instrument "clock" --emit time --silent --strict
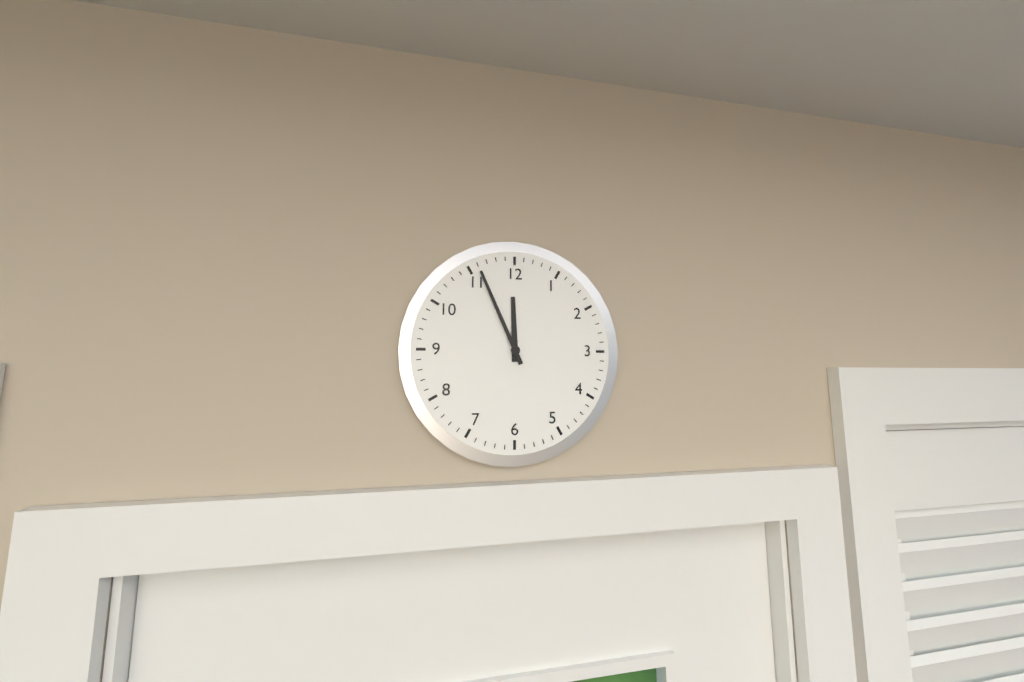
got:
11:56
